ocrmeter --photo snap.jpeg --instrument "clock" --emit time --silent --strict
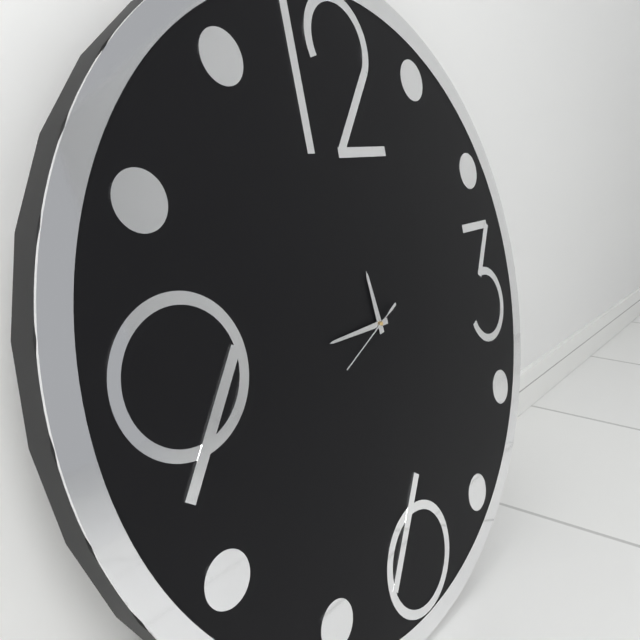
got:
11:45:41
